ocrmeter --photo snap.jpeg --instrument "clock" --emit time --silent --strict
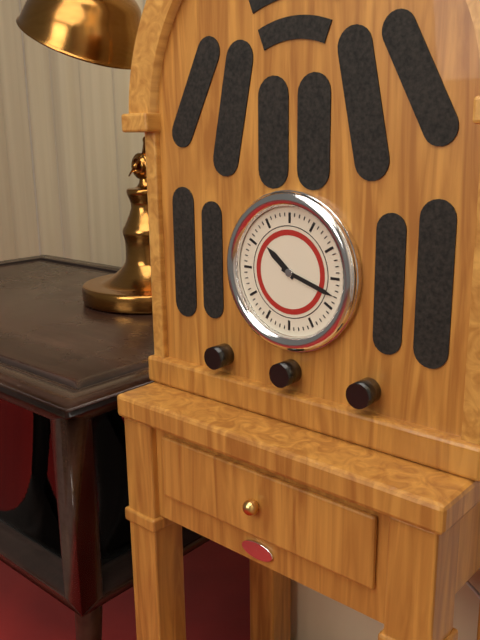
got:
10:18
